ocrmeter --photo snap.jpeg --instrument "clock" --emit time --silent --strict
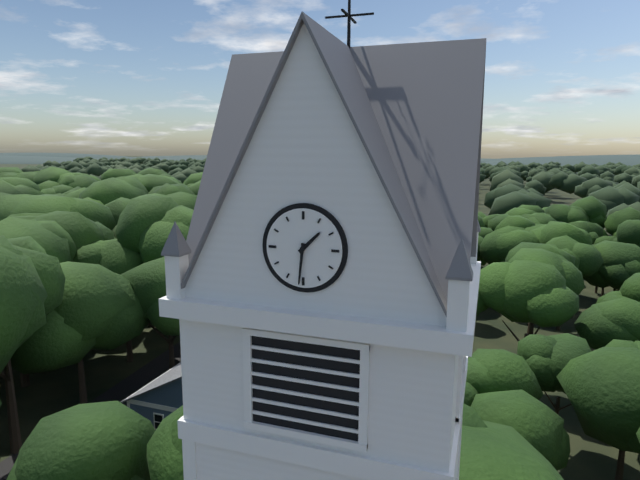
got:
1:31
